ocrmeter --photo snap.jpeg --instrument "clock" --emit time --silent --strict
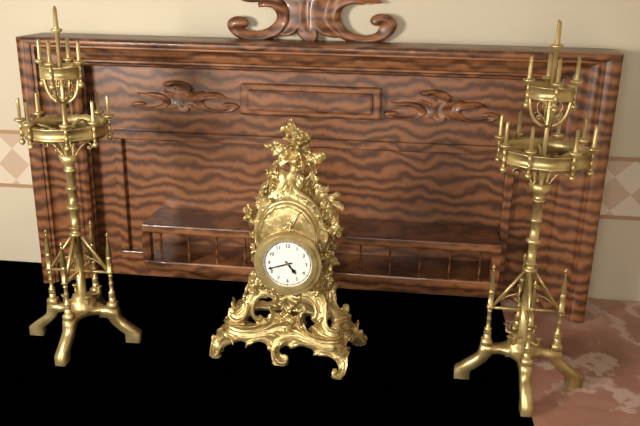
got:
4:42
